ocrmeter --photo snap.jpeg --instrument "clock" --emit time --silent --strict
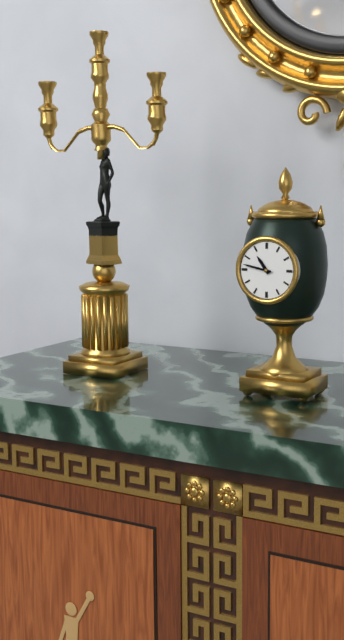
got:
10:47
